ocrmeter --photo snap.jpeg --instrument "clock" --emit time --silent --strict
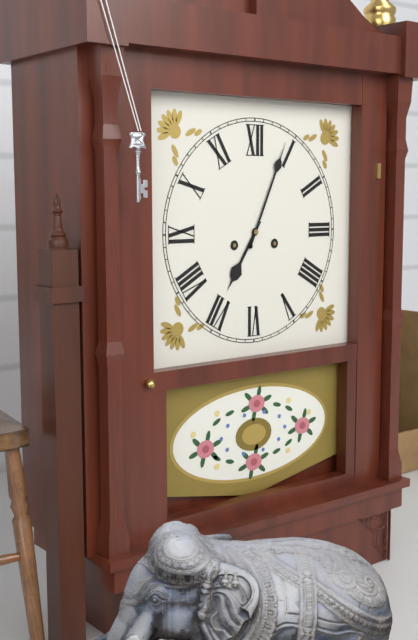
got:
7:04
